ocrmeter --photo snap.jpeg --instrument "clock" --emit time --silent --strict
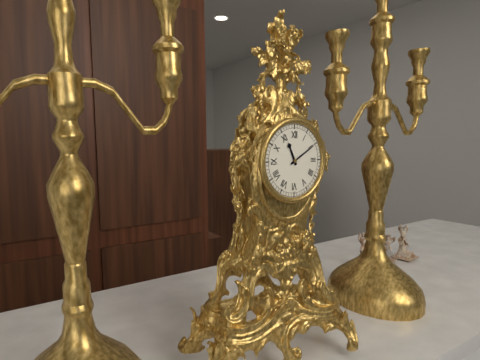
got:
11:10
